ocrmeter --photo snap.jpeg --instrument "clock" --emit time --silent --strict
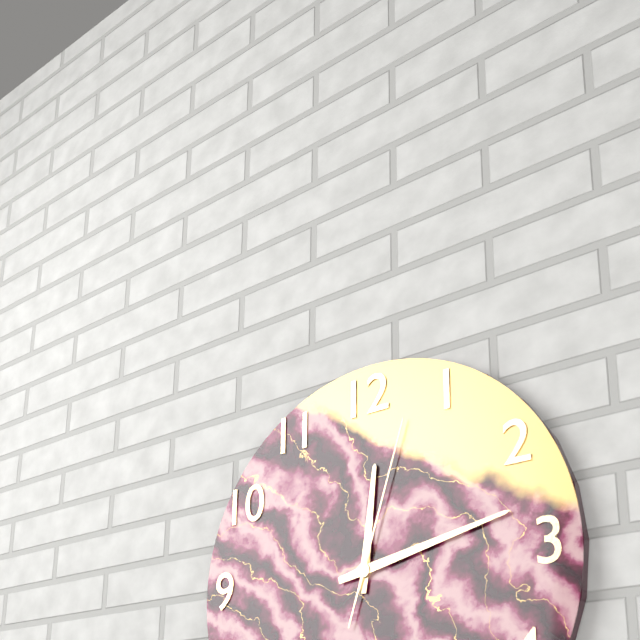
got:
12:13:03
